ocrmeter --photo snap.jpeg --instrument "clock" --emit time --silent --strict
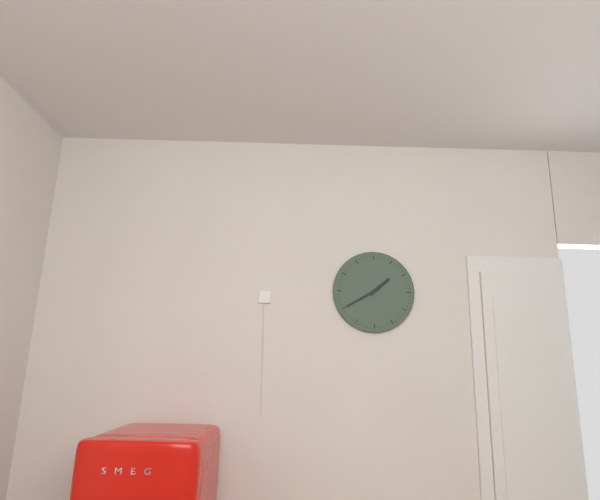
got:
1:40
